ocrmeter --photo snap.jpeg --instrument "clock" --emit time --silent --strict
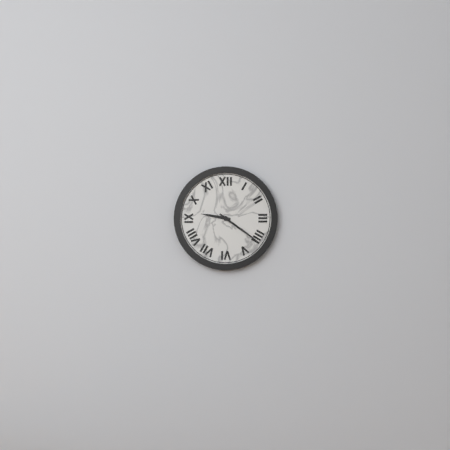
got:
9:21
